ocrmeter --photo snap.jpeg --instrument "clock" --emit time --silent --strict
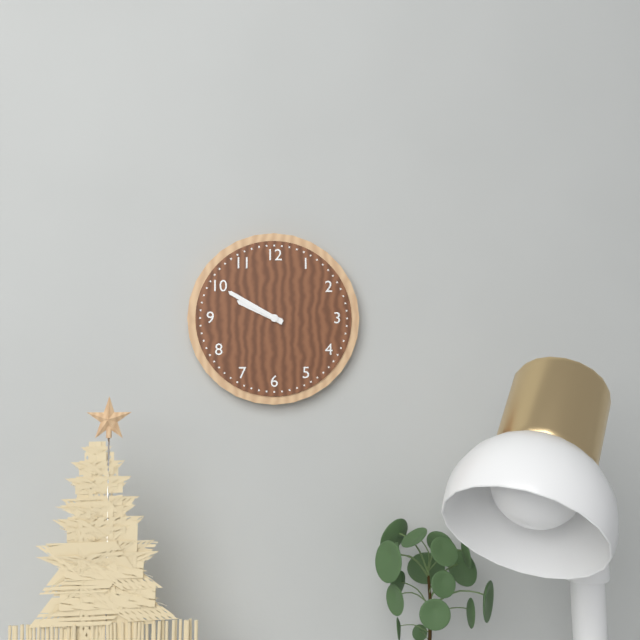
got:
9:50
